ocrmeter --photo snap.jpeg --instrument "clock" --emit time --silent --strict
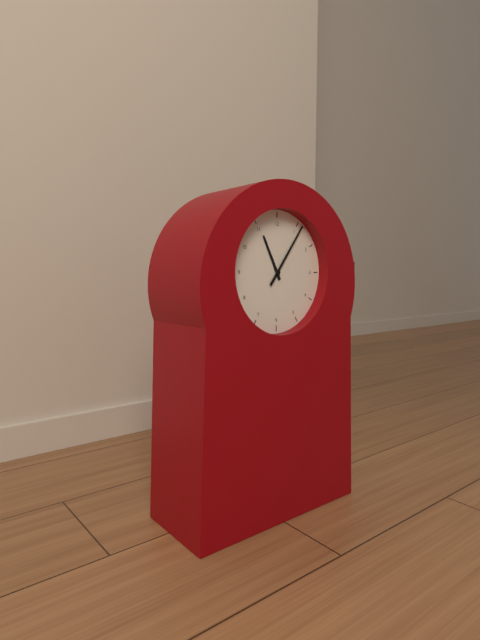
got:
11:06
